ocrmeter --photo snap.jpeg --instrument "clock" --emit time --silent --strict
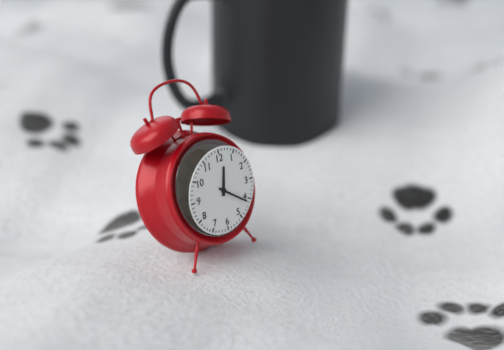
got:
12:21
